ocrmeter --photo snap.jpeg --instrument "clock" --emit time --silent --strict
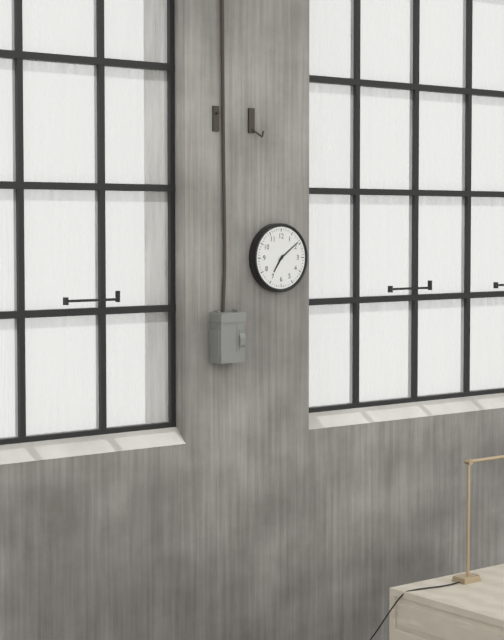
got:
7:09
